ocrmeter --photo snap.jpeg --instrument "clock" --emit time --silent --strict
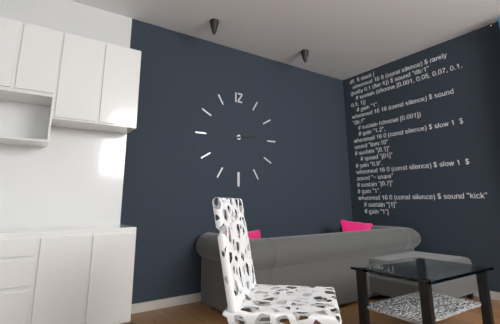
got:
2:42
